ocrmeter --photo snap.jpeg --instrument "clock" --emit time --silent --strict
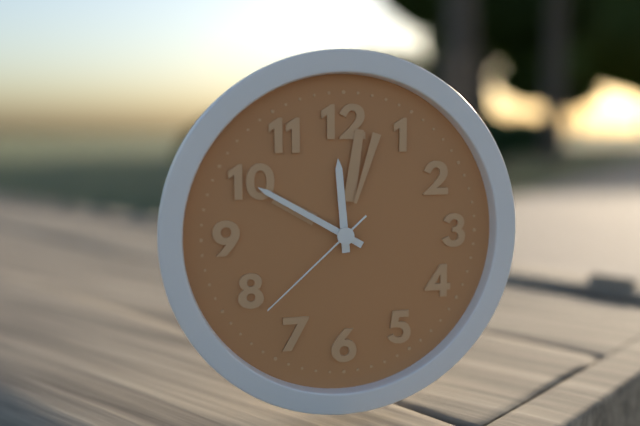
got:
11:50:38
